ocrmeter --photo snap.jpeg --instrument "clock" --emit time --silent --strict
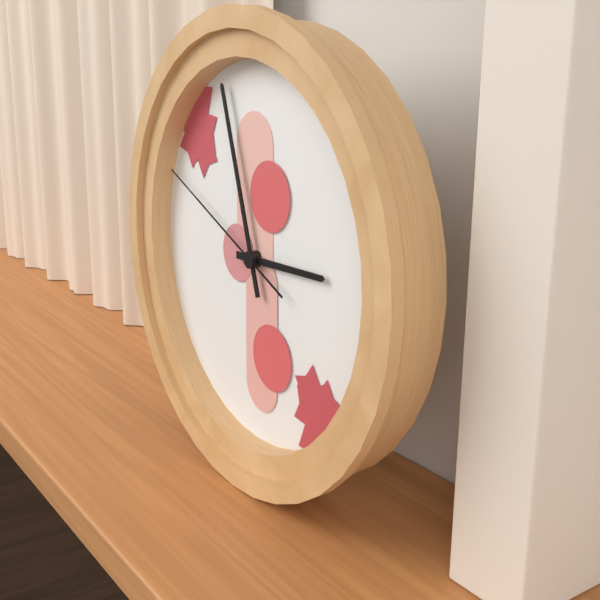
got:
2:57:49
